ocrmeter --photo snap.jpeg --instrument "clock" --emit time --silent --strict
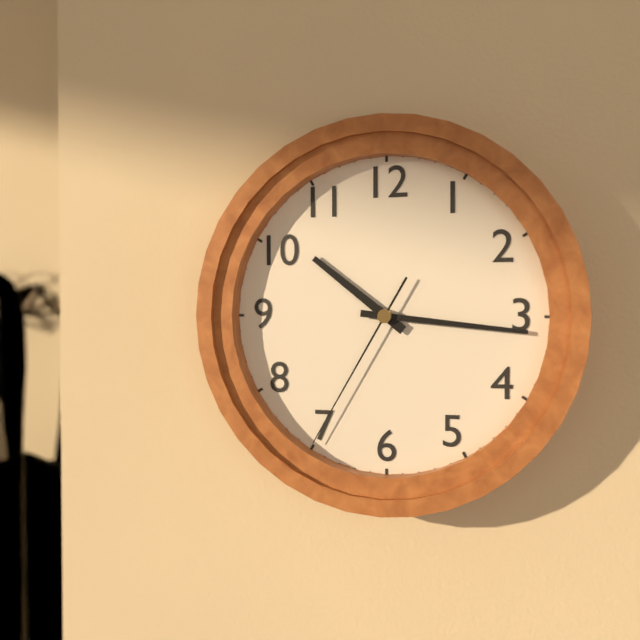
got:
10:16:35
